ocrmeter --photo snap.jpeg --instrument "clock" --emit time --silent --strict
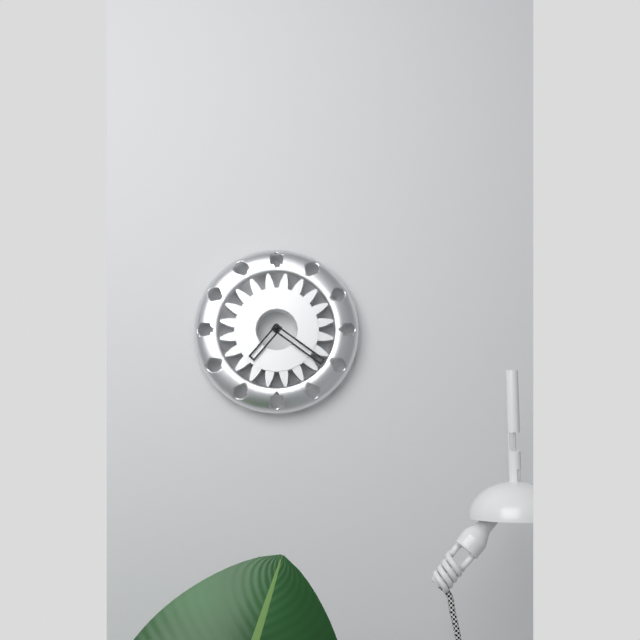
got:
7:21
